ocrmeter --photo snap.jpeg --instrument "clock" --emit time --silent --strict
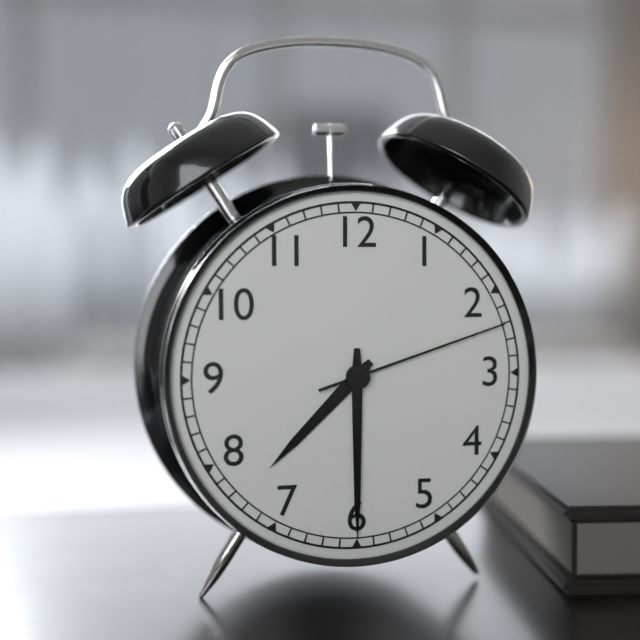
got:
7:30:12
